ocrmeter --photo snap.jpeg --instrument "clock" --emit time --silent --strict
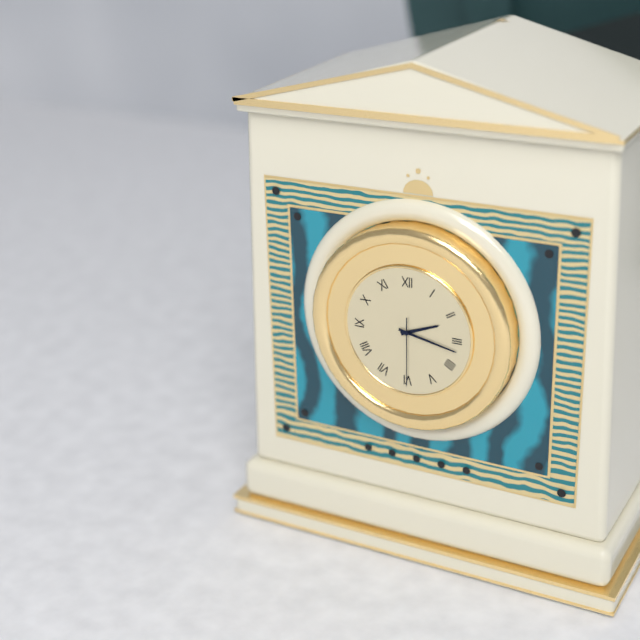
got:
2:17:30
